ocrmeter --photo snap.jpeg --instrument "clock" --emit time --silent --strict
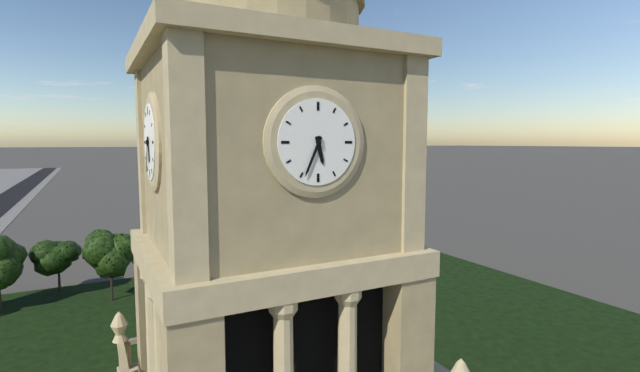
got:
5:34
